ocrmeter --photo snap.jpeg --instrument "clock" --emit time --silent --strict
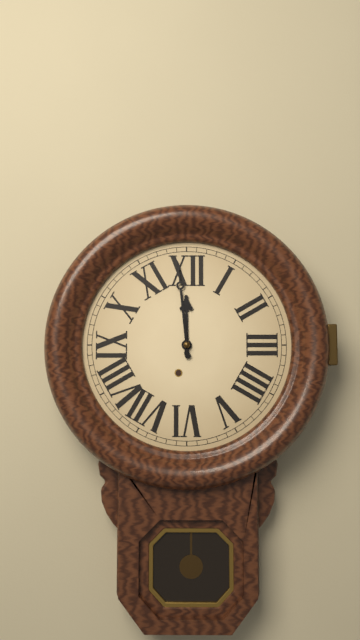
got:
11:59
